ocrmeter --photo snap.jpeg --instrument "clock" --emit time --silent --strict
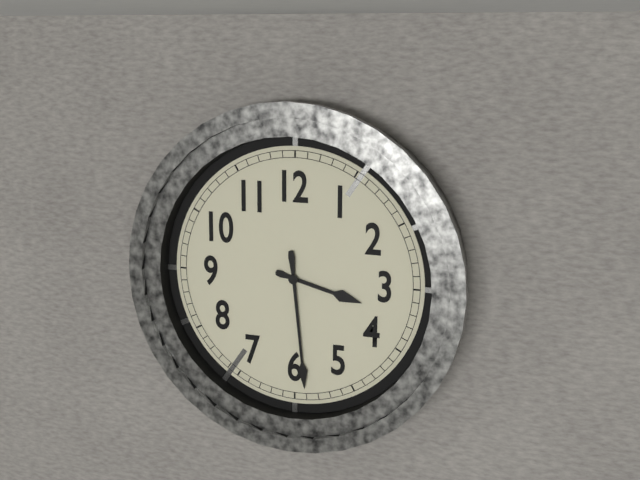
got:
3:29
